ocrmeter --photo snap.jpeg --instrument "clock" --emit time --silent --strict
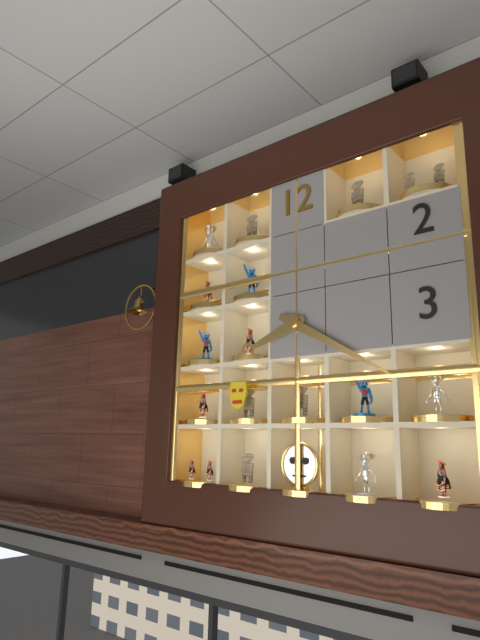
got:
8:20
